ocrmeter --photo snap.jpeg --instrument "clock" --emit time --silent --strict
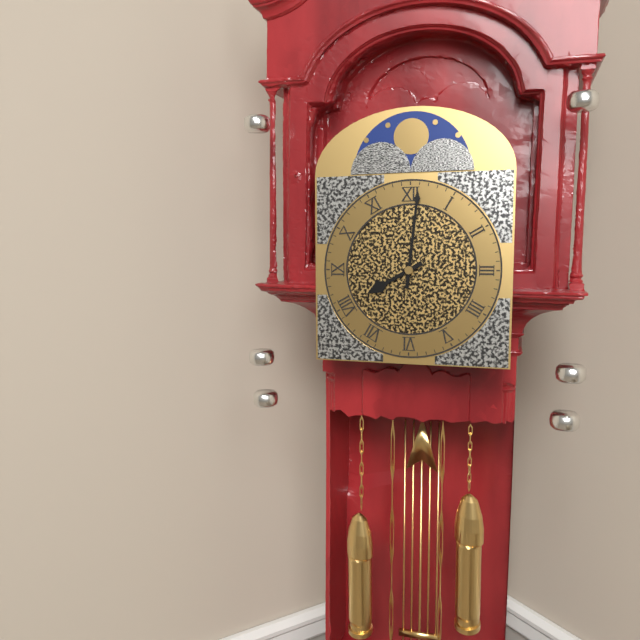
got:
8:01
